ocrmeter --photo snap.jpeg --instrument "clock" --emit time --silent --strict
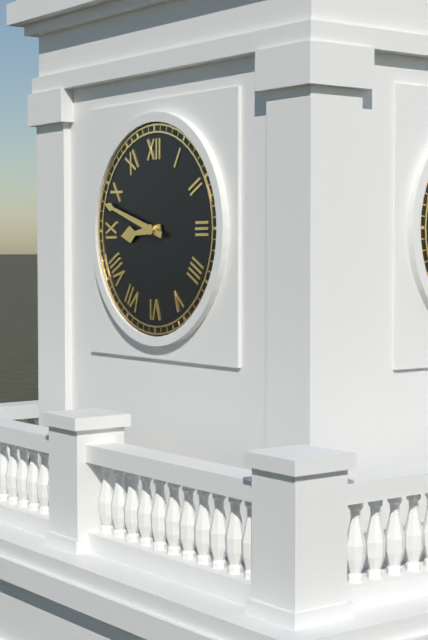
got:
8:48
